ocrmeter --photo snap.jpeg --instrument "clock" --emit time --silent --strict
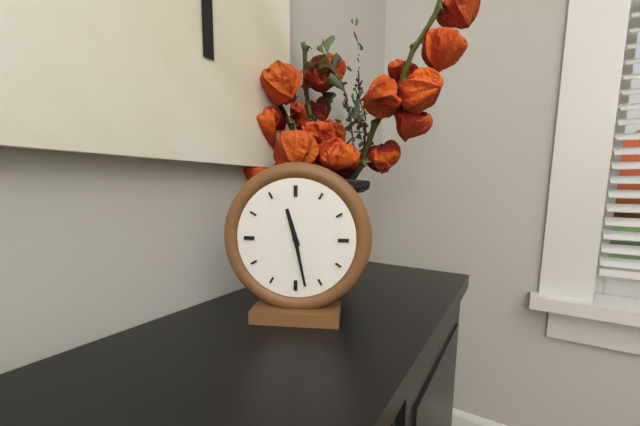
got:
11:28
